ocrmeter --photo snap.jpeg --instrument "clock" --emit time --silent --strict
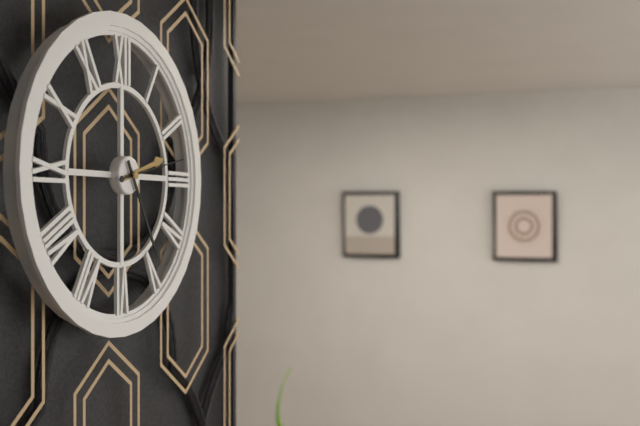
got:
2:25:13
